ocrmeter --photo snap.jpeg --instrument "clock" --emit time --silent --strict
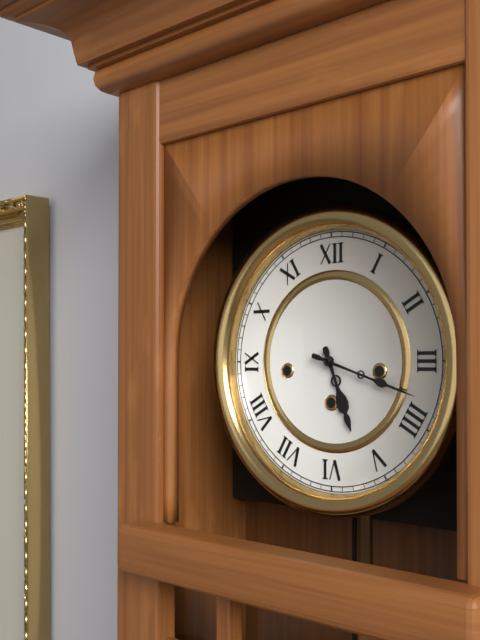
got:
5:18
